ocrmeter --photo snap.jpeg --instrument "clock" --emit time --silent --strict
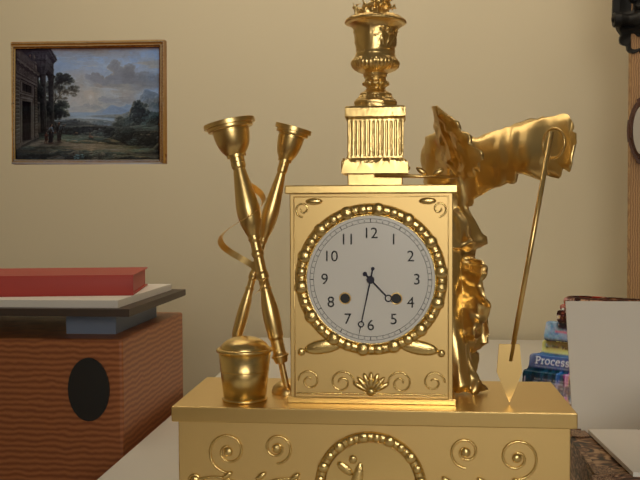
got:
4:32
